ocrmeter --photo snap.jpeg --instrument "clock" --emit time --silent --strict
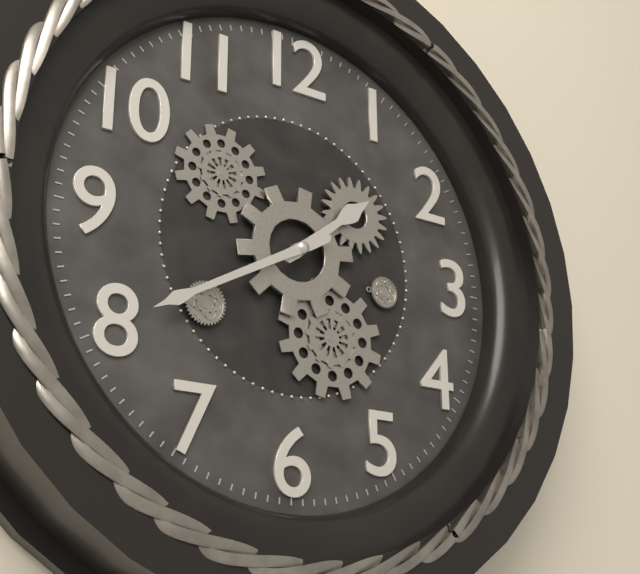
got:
1:40
